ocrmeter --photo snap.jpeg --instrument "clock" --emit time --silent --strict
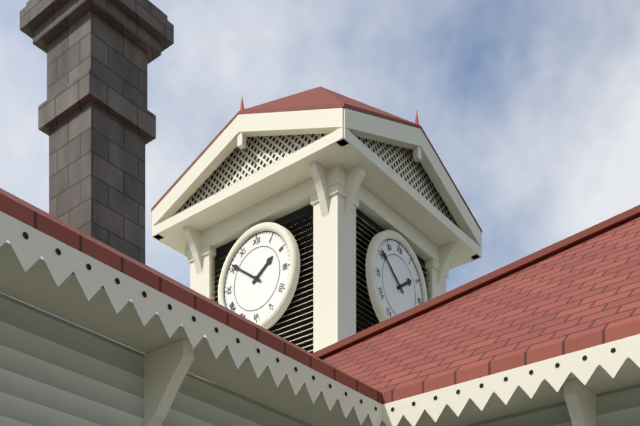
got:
1:51
